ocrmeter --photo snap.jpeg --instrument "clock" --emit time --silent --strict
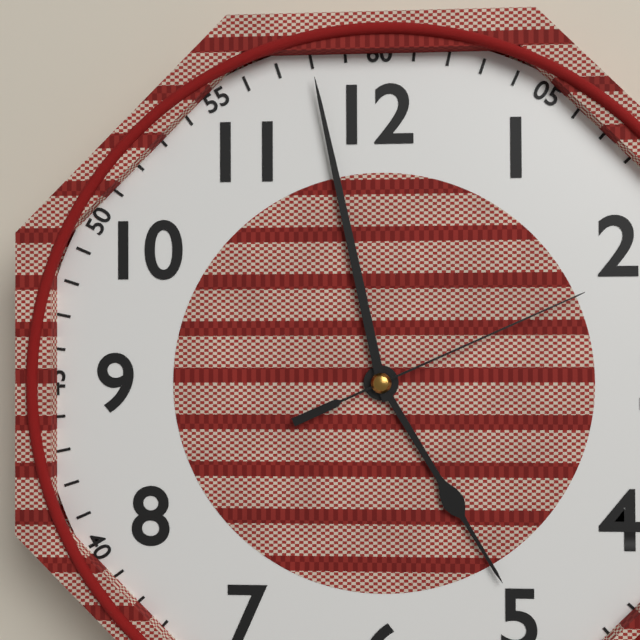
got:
4:58:11
